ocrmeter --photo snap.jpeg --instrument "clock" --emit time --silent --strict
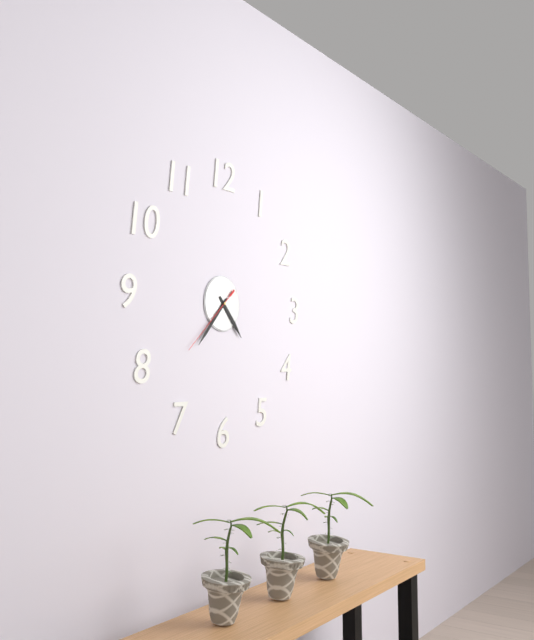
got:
4:37:38
